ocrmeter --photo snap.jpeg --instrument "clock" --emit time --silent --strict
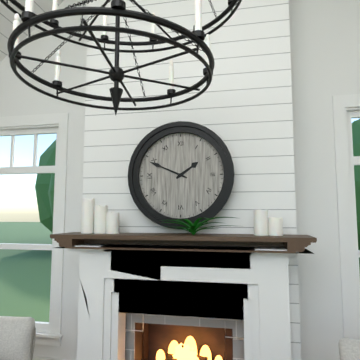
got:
1:49
